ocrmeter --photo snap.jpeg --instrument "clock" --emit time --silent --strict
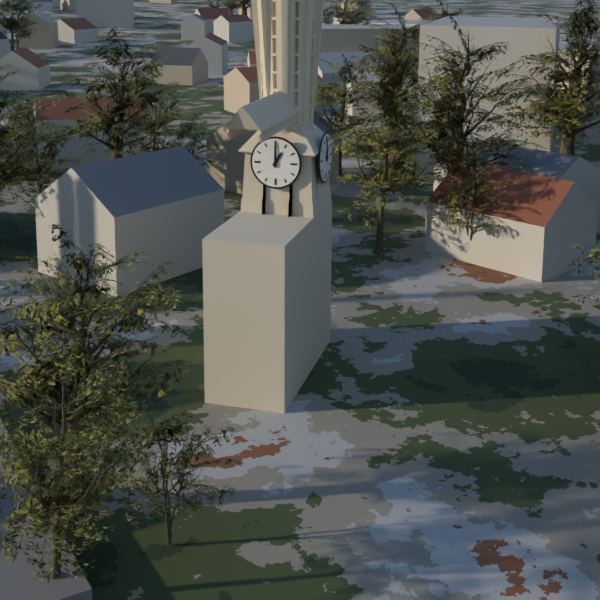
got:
1:00
